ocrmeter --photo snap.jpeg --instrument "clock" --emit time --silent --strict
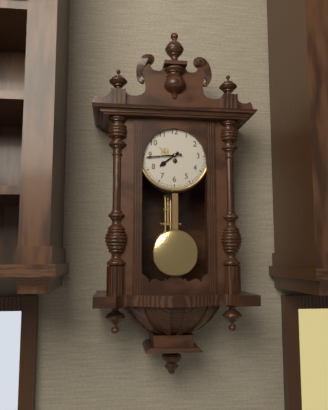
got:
7:44
